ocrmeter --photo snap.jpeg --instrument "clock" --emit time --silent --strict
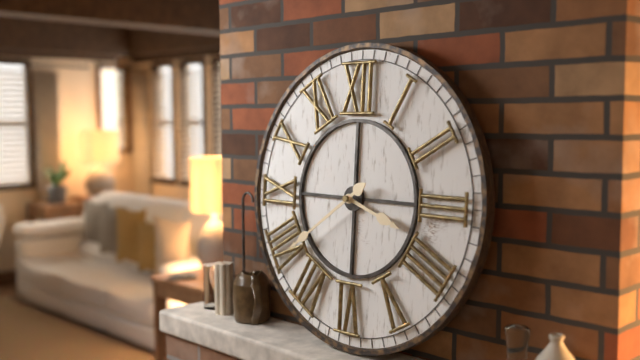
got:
3:39
